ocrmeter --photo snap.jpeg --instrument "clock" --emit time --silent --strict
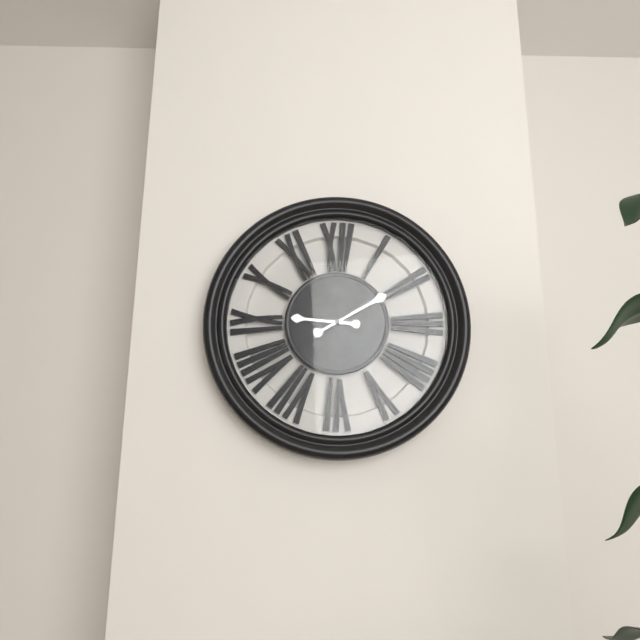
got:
9:10
